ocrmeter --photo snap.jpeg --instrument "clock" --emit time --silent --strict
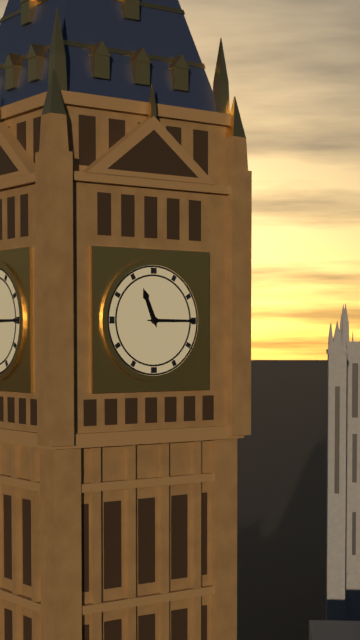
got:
11:15
